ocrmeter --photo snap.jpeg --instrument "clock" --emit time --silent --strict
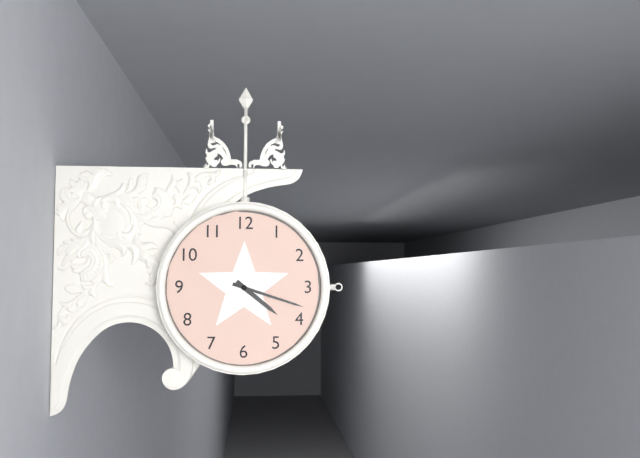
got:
4:18
